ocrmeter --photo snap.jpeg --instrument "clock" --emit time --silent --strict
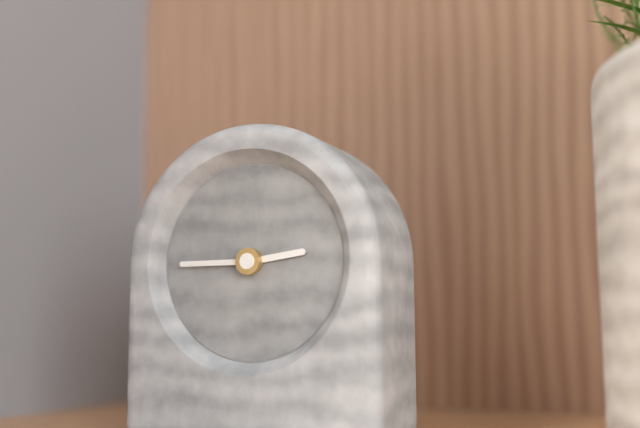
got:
2:45
